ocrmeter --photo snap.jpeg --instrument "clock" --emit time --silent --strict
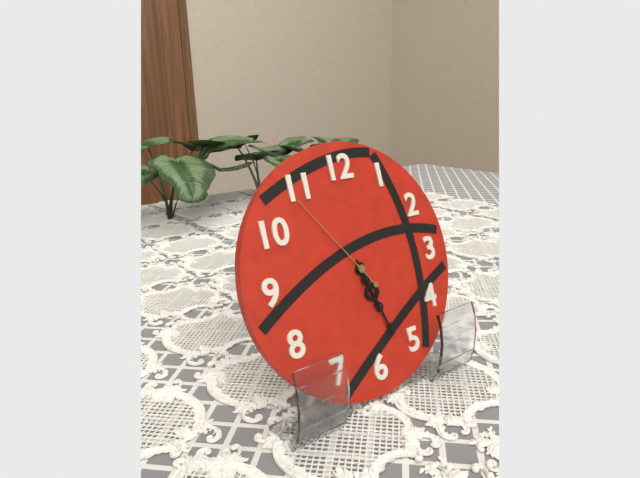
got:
5:27:54
